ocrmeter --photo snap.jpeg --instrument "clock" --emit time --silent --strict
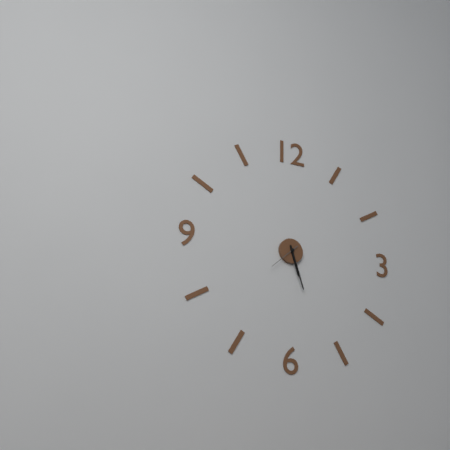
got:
5:27
